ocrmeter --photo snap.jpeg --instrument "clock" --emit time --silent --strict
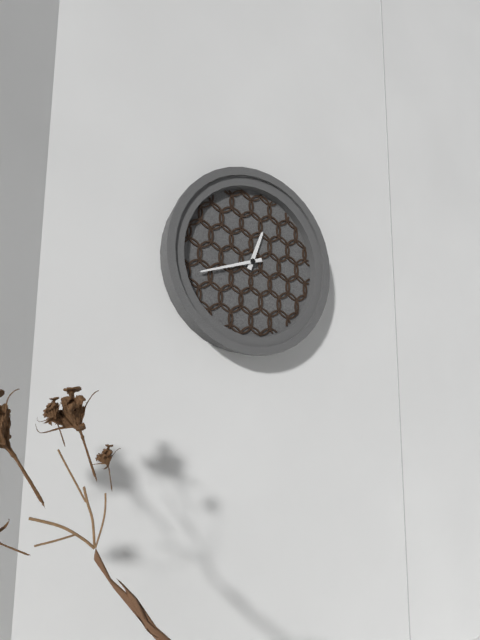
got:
12:42
